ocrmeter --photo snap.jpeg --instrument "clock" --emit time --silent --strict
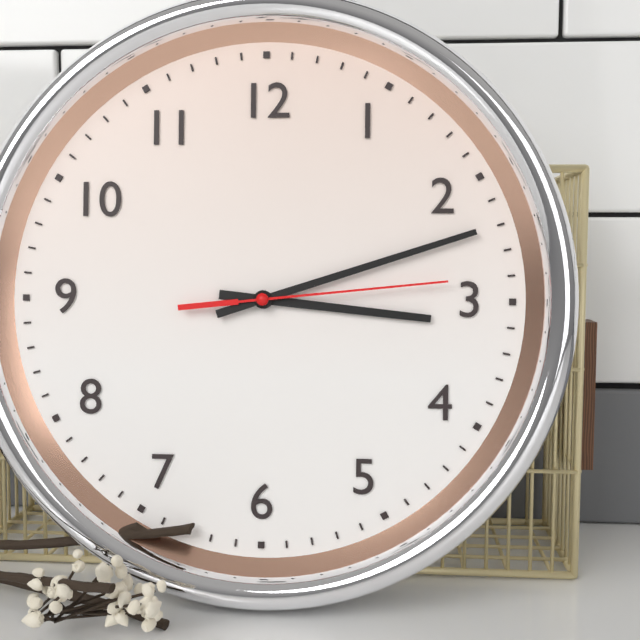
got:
3:12:14
